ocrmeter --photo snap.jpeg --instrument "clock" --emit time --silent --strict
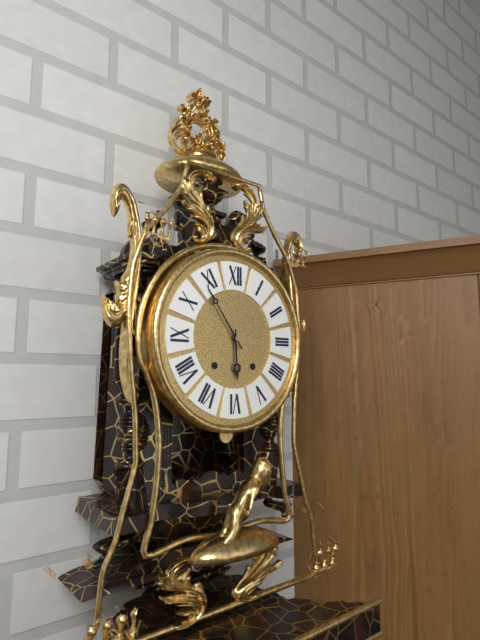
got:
5:54
